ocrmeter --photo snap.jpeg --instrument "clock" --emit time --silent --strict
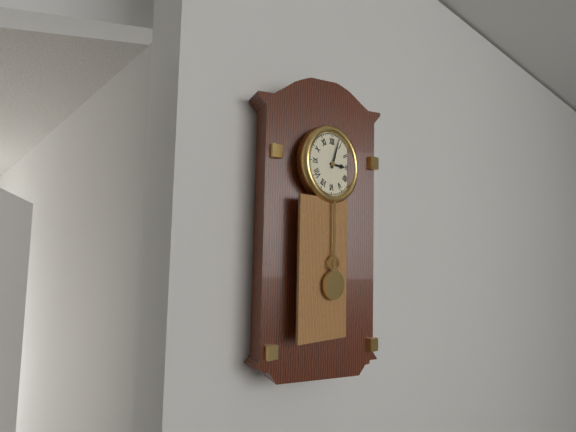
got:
3:03
